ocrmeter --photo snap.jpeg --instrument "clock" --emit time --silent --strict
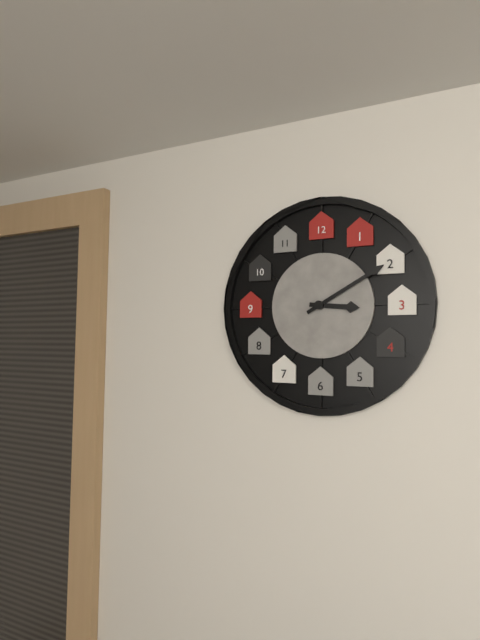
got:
3:10
